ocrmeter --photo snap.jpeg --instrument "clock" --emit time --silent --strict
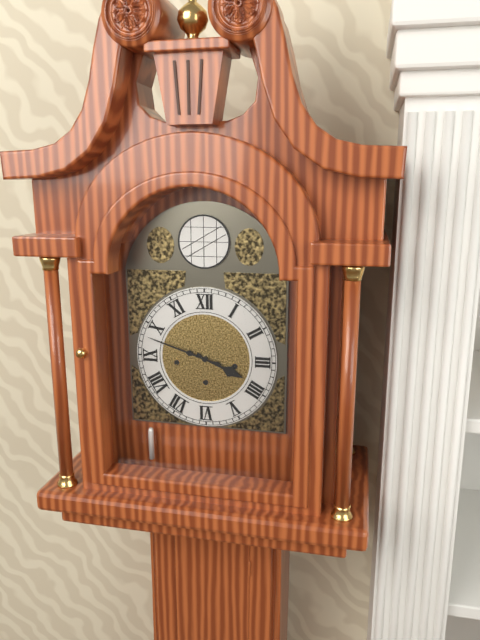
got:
3:48
